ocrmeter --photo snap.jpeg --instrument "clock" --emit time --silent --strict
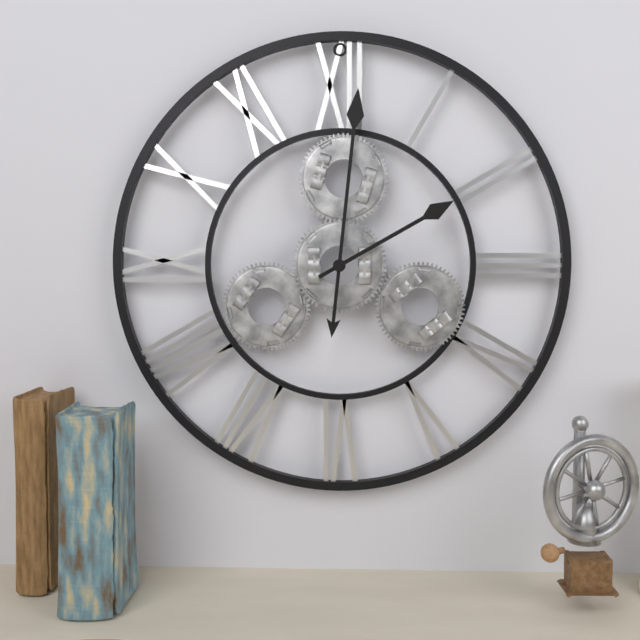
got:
2:01
